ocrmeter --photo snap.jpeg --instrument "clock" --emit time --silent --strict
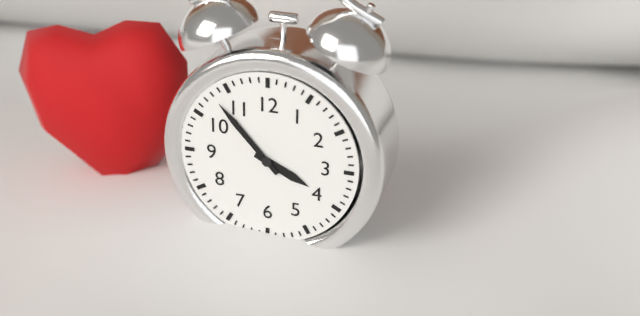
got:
3:53
